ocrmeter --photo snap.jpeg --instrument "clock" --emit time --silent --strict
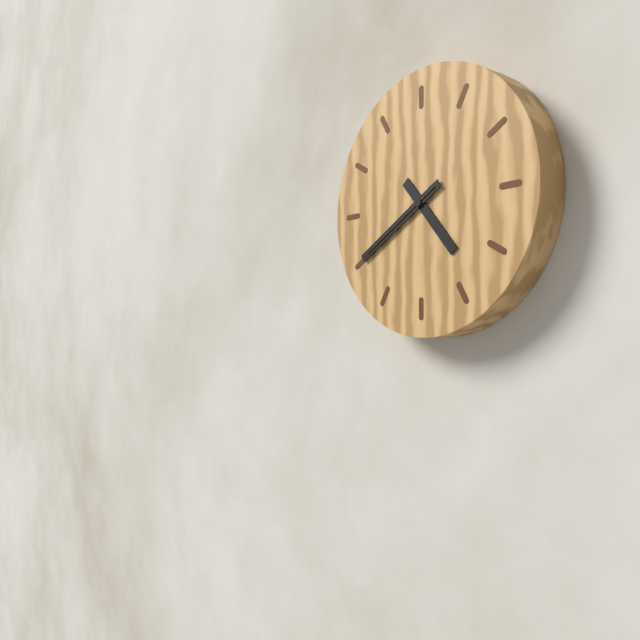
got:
4:40:40
